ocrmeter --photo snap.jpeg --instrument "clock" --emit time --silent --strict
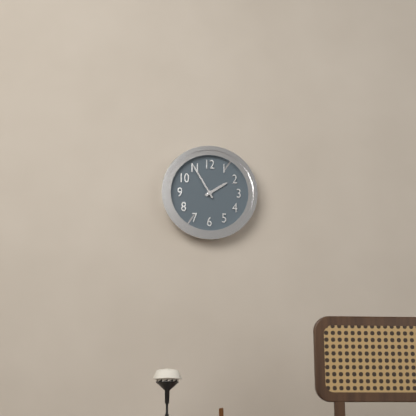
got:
1:55
